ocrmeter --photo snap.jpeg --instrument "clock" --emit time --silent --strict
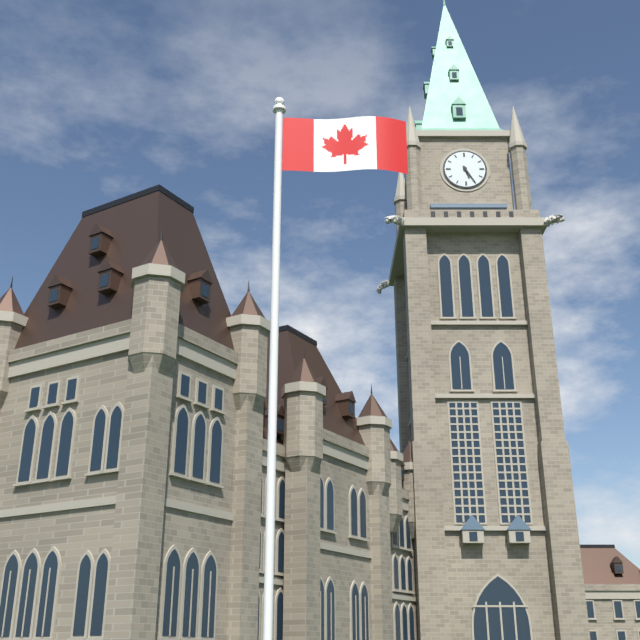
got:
5:25
